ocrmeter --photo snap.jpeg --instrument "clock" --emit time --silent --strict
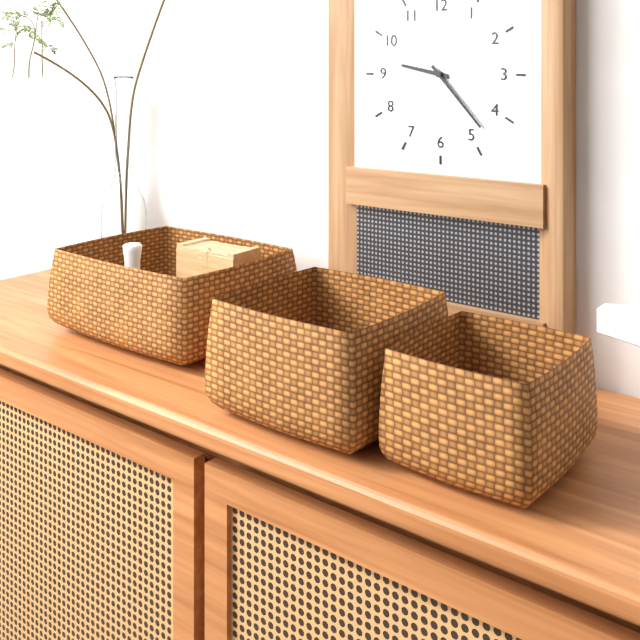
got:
9:23
